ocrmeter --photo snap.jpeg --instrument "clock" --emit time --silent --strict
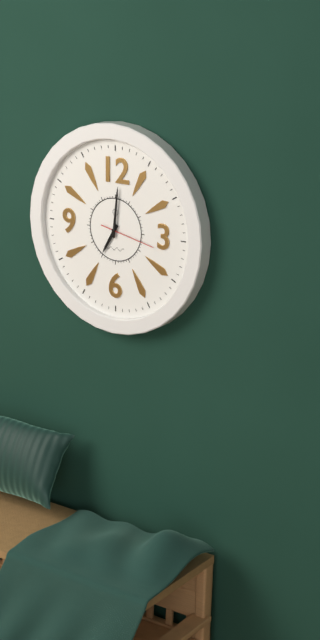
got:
7:01:17
